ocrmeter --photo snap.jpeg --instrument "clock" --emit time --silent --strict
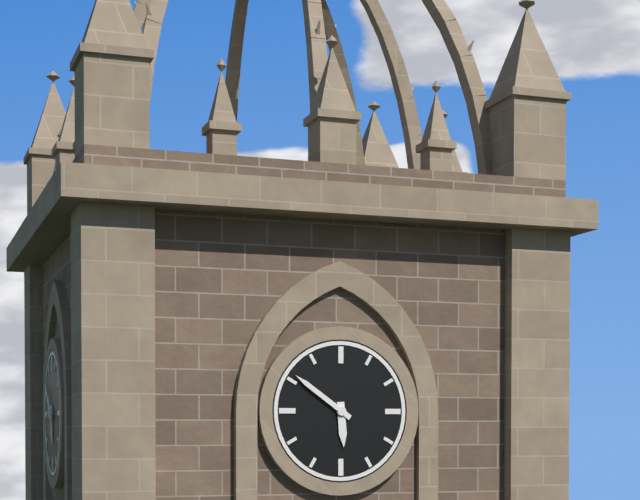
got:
5:51
